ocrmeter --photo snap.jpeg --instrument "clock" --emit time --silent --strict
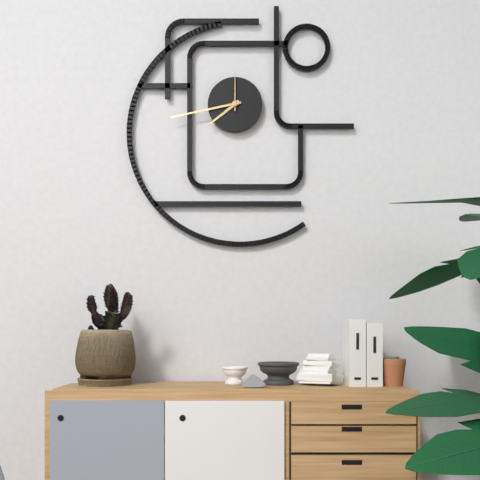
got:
7:43
